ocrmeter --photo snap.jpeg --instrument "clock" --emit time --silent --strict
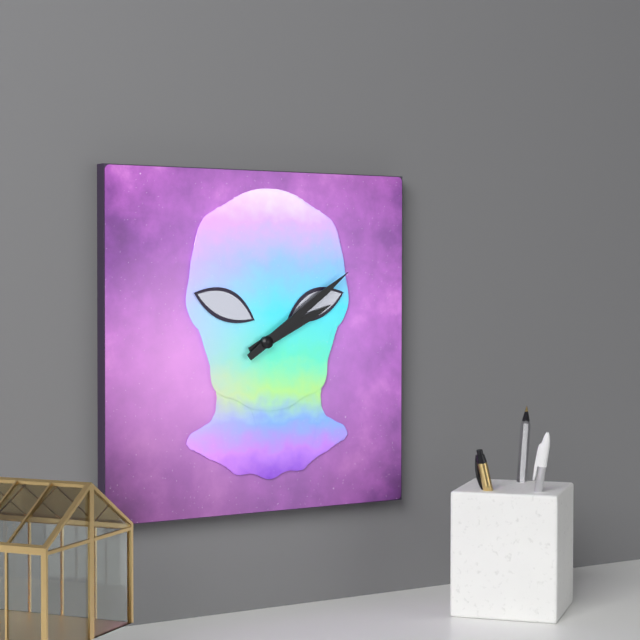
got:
2:09
